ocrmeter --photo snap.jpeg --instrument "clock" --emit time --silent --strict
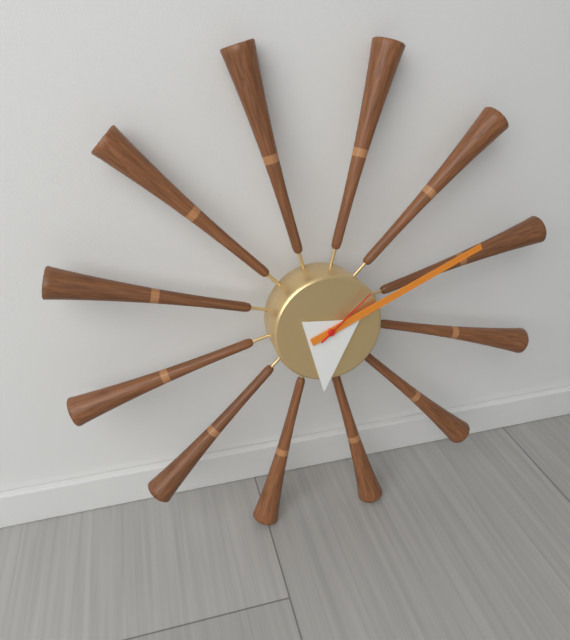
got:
6:11:08
